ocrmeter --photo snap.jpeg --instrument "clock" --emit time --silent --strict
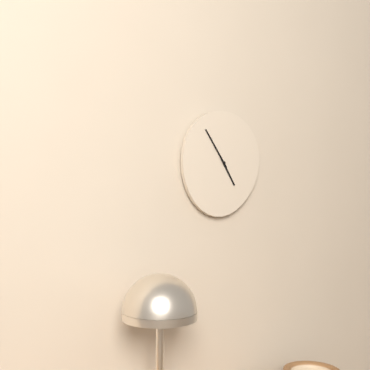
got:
4:54
